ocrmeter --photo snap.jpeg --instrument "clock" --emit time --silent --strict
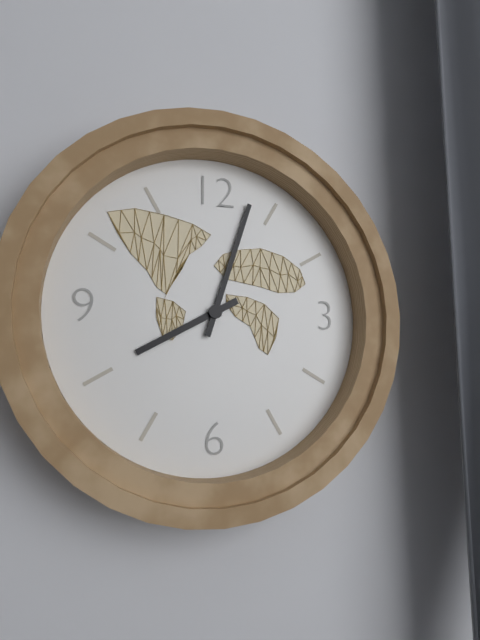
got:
8:03
